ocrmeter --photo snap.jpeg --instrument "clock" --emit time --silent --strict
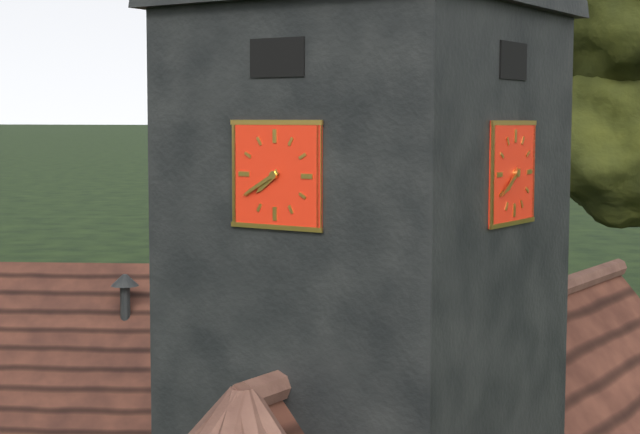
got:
7:40
